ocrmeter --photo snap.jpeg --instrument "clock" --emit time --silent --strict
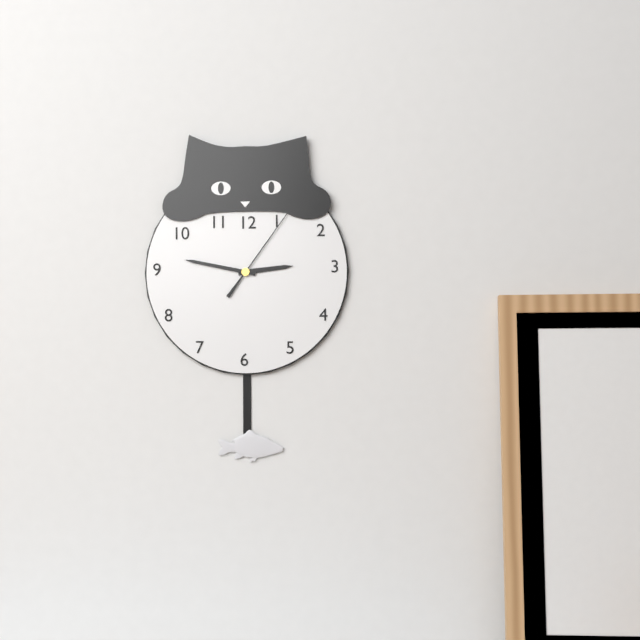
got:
2:47:06
